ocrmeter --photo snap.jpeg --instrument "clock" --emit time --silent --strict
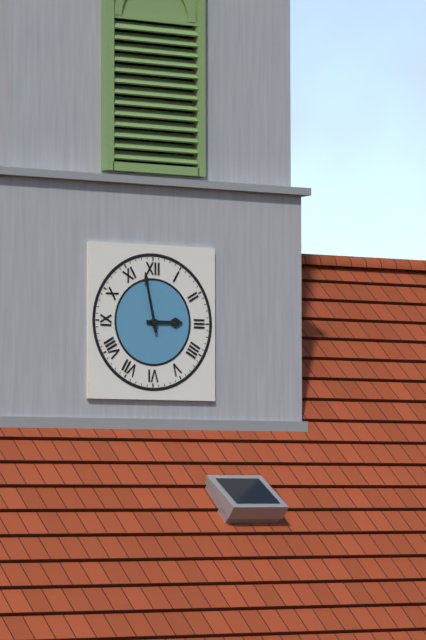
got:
2:58
